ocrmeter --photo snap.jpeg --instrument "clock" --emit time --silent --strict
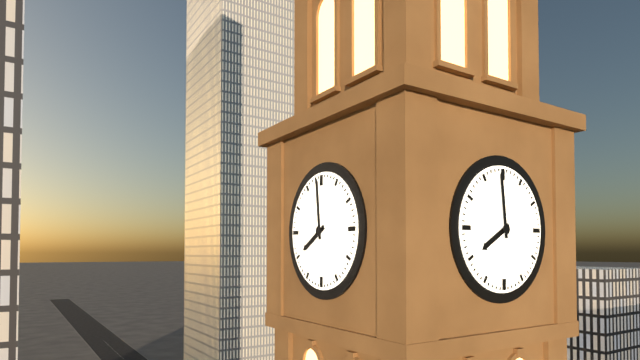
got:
7:59
